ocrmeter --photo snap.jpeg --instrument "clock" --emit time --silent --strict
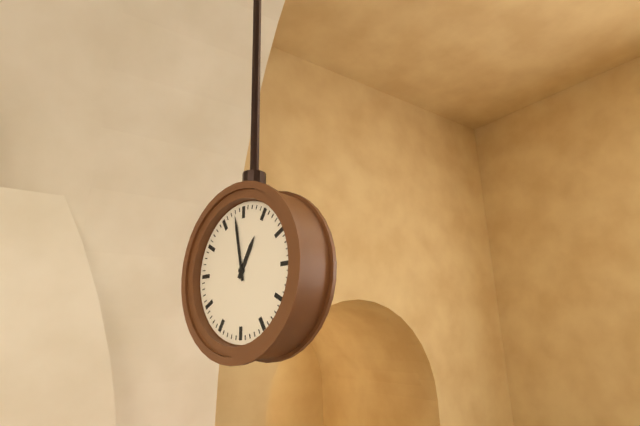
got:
12:58
